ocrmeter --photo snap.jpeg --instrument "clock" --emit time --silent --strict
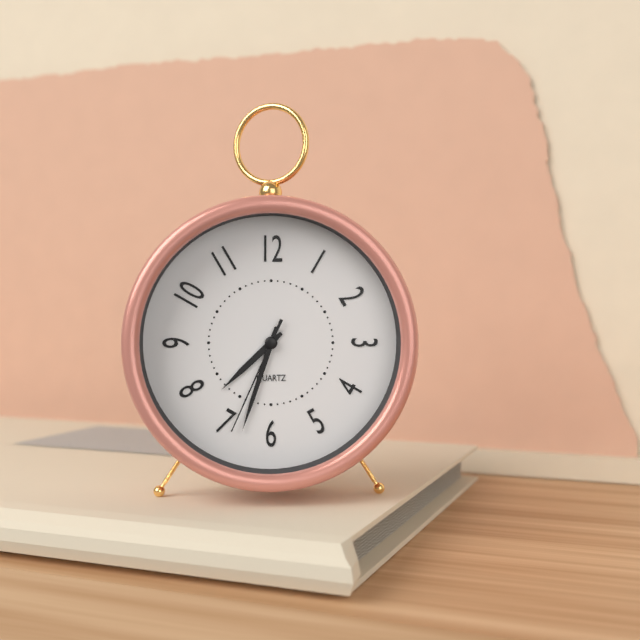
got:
7:33:34
